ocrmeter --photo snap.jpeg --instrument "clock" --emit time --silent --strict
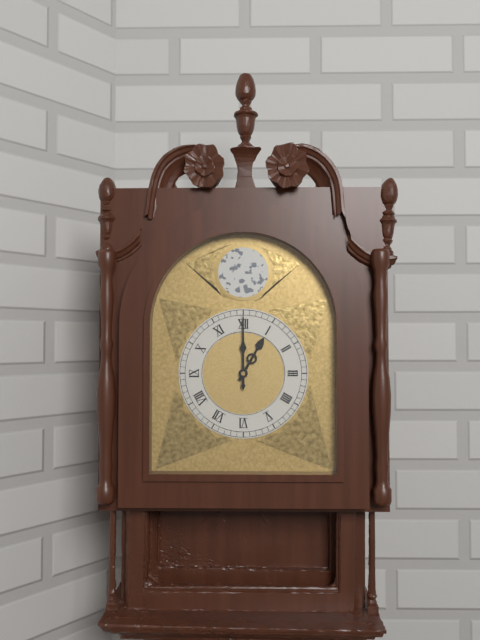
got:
1:00
